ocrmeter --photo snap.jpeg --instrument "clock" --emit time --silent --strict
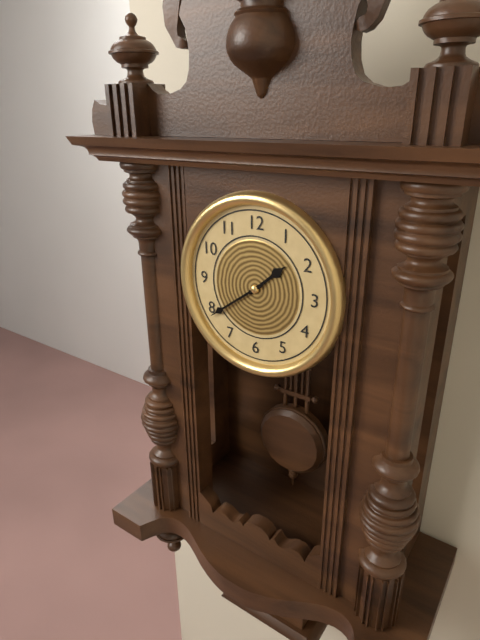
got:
1:39
